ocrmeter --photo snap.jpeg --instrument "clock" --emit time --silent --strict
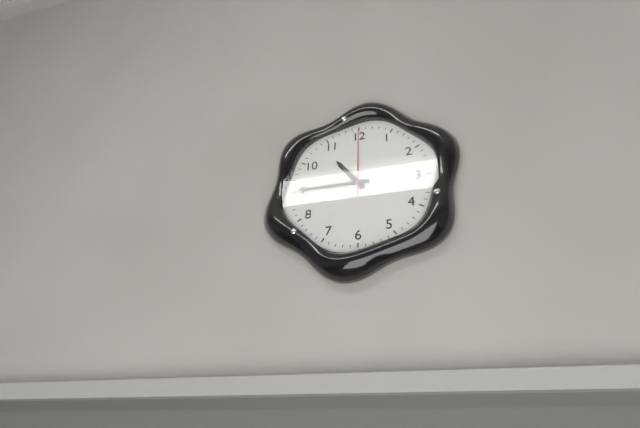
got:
10:45:00
